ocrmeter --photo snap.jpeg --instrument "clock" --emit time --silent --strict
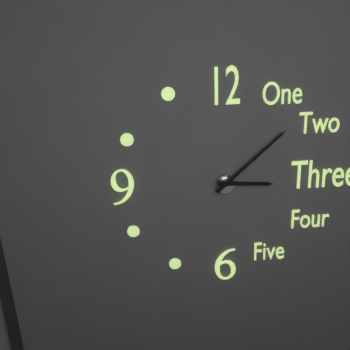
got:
3:08
